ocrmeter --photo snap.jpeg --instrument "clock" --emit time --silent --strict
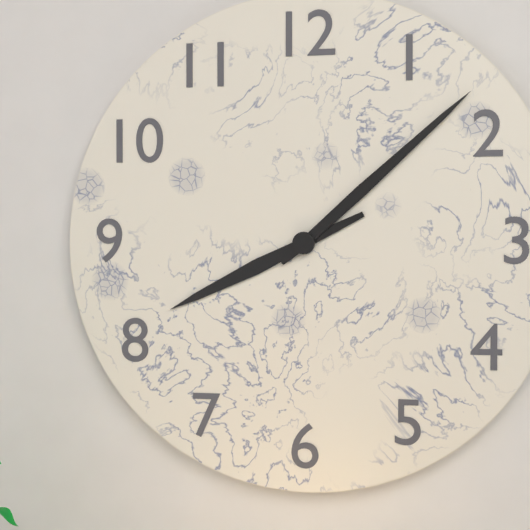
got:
8:08
